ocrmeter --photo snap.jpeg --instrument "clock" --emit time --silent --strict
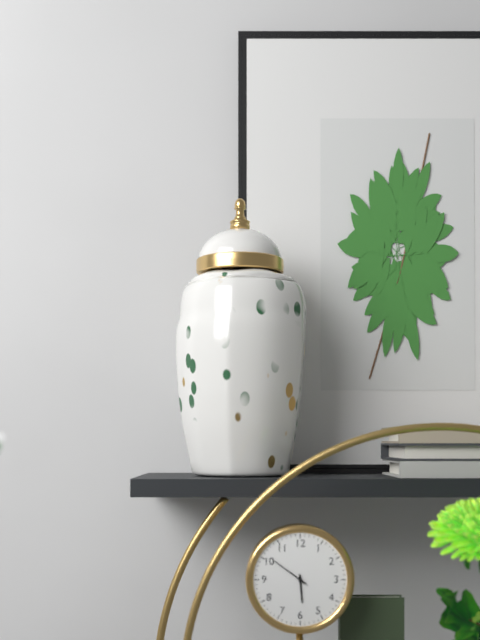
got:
5:51
